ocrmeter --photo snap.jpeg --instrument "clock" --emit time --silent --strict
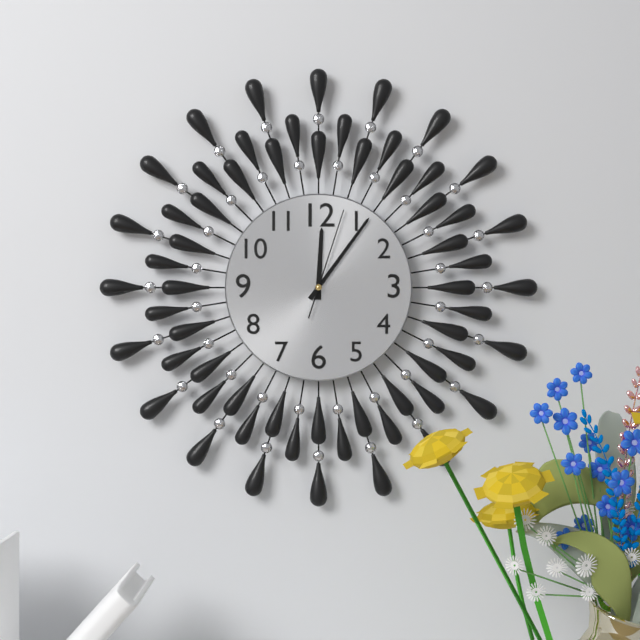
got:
12:06:03
